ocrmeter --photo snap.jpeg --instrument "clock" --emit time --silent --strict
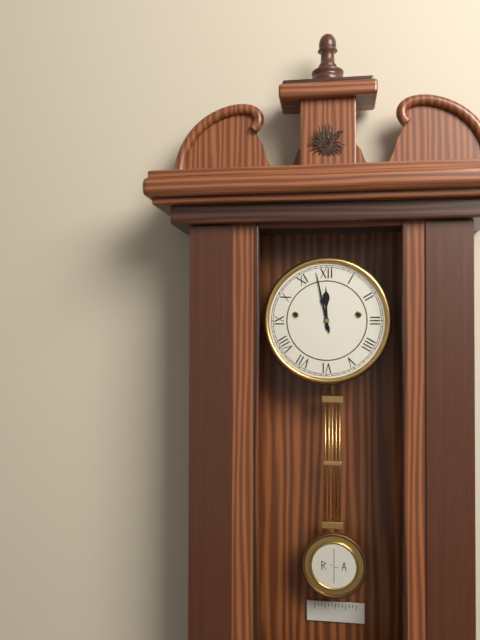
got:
11:58
